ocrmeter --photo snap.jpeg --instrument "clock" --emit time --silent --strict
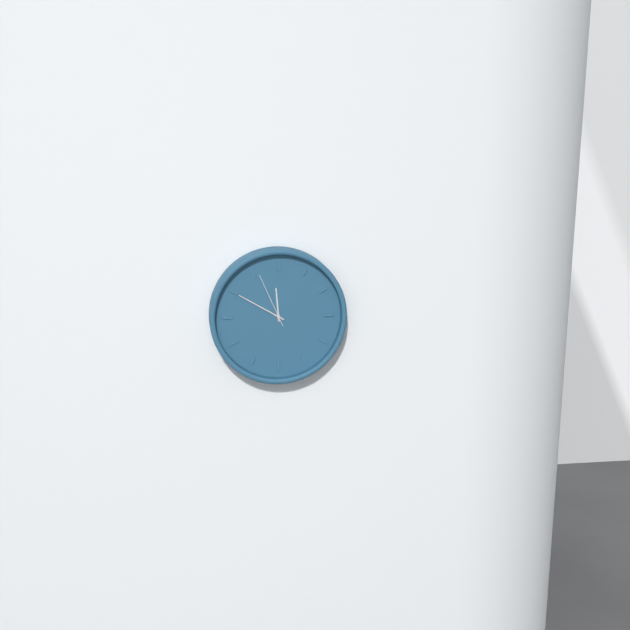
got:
11:50:56
